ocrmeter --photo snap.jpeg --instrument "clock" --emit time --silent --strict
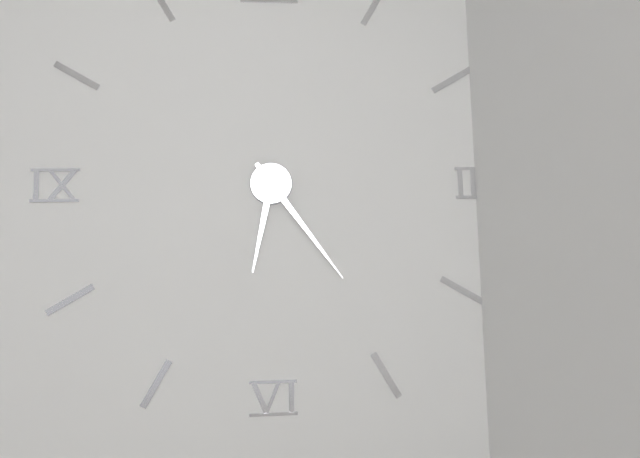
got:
6:24
